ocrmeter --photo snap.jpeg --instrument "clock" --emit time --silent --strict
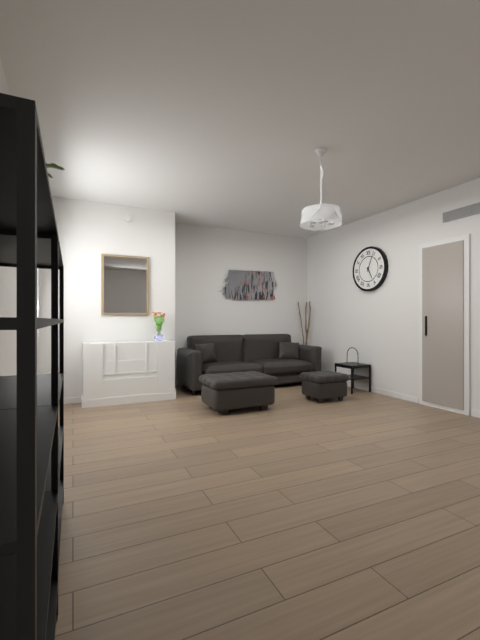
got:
5:04
